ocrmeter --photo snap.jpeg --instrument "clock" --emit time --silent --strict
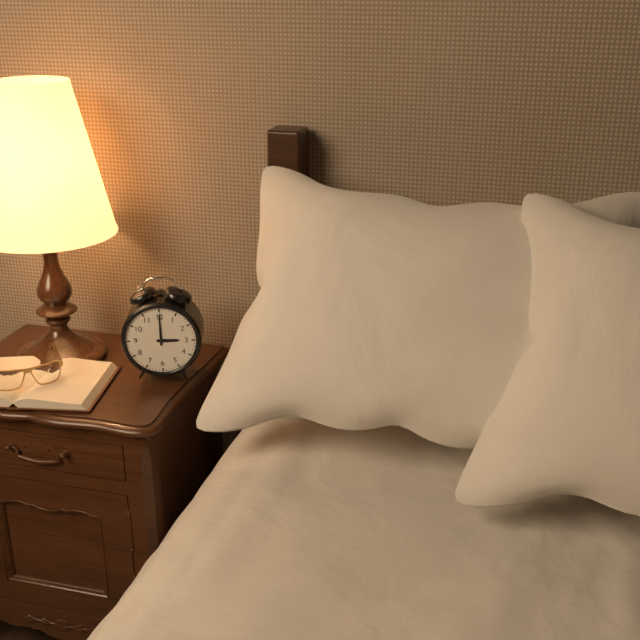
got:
3:00
